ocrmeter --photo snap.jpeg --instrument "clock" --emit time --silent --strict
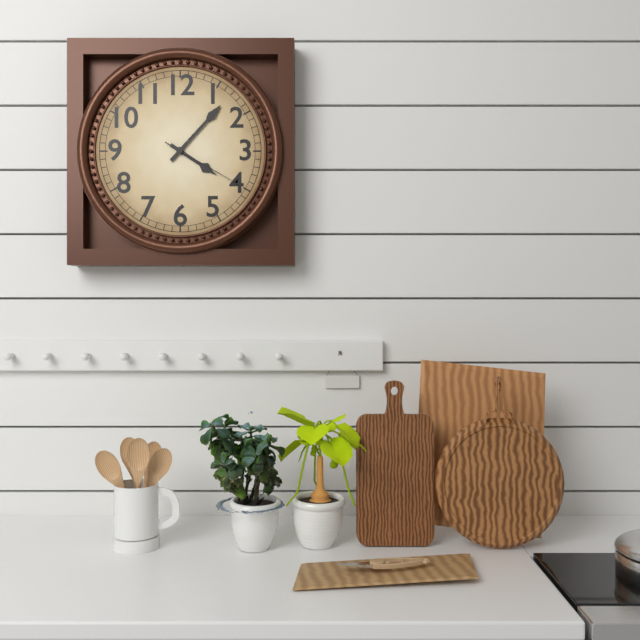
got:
4:07:20
